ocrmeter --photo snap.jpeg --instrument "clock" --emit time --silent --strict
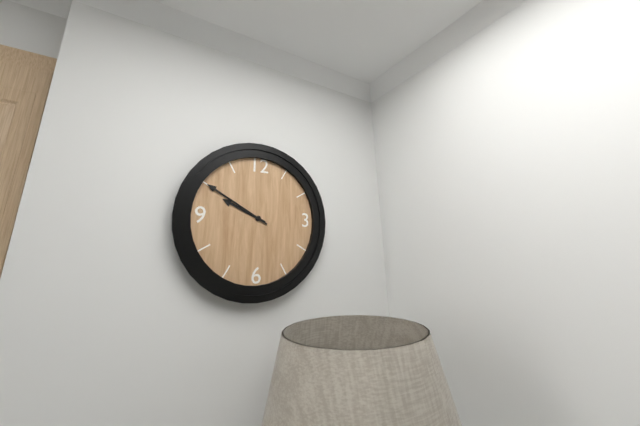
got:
9:50
